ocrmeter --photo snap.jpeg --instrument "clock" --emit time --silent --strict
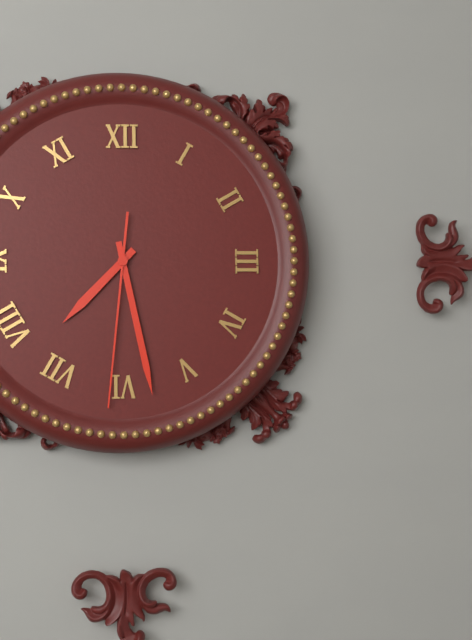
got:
7:28:31
